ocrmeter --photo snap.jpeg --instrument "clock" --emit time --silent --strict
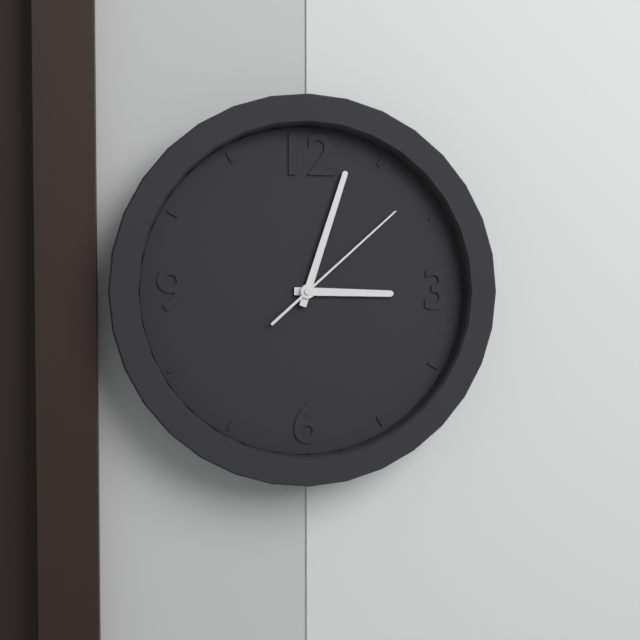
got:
3:03:08
